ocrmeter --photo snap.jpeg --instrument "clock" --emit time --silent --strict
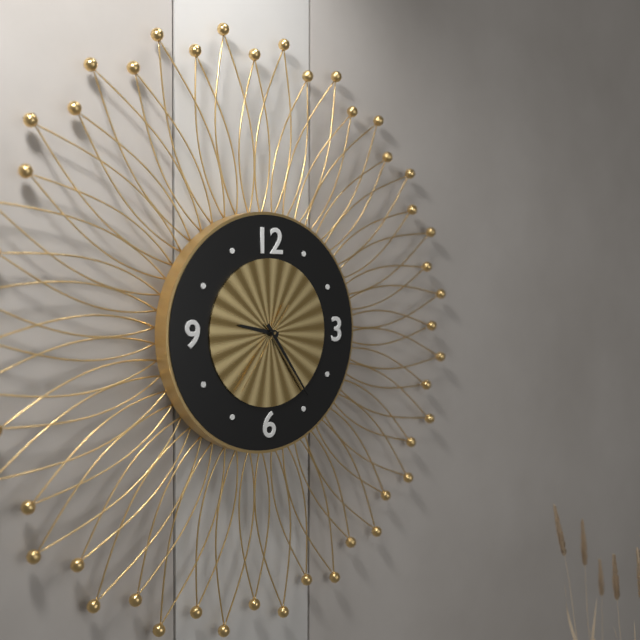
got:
9:24:36
